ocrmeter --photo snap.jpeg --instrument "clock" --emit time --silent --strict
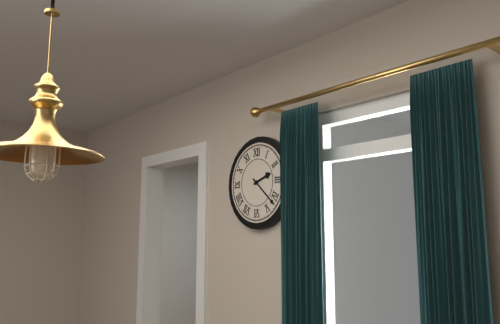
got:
2:22
